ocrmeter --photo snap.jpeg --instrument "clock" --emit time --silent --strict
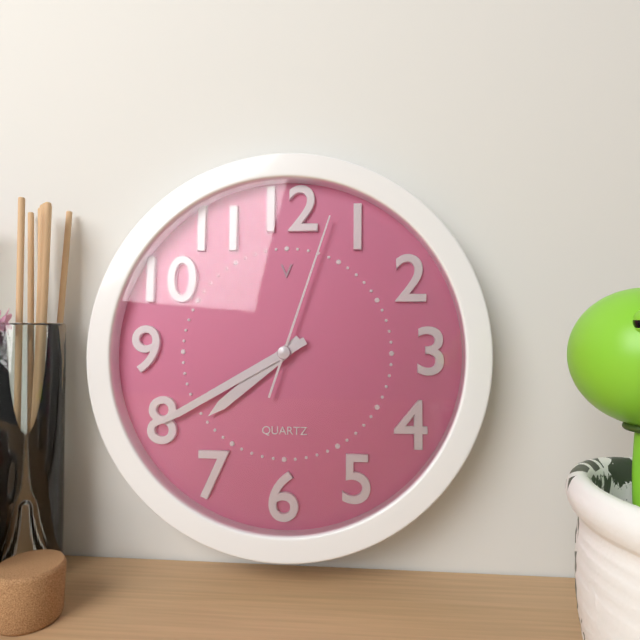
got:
7:40:03
